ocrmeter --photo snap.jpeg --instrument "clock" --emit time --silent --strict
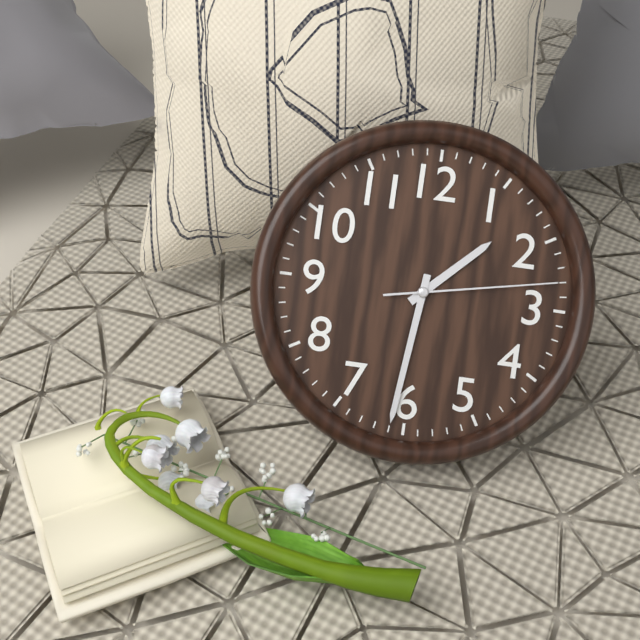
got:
1:31:13
